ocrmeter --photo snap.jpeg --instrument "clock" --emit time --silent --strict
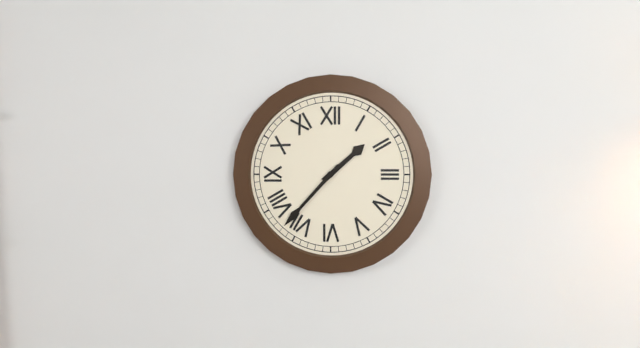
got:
1:37
